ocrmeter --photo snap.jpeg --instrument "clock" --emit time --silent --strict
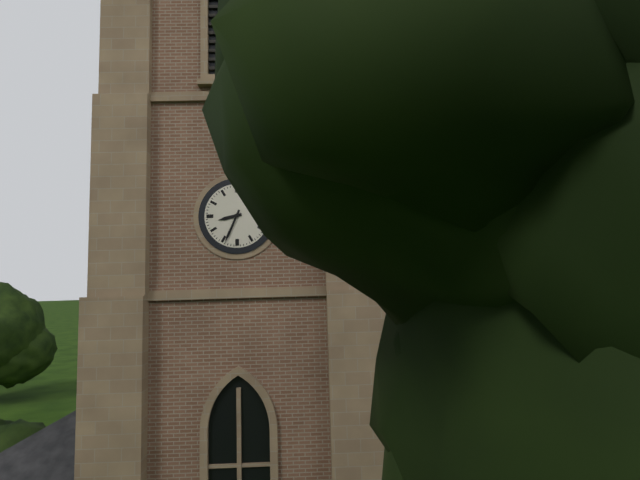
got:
8:34
